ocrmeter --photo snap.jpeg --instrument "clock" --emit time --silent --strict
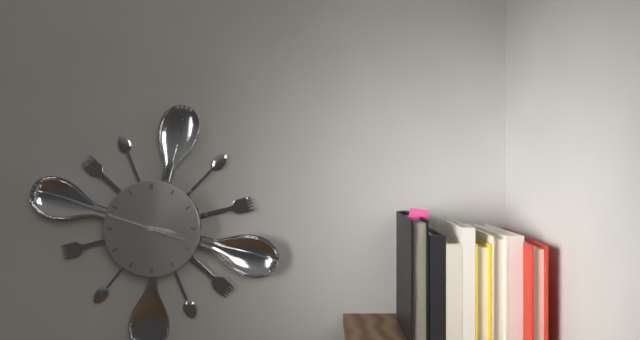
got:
3:18:48
